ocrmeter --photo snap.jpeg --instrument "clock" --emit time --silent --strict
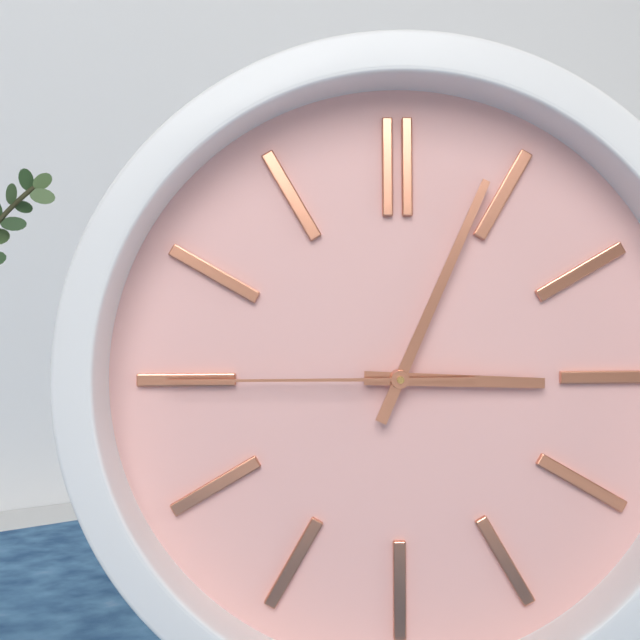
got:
3:04:45
